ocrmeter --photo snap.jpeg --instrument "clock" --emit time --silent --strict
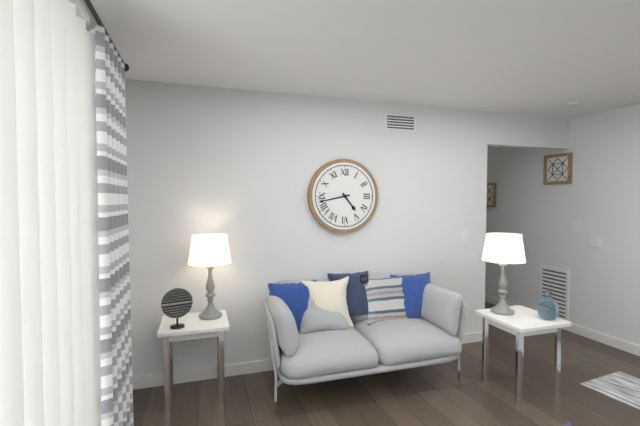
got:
4:43
